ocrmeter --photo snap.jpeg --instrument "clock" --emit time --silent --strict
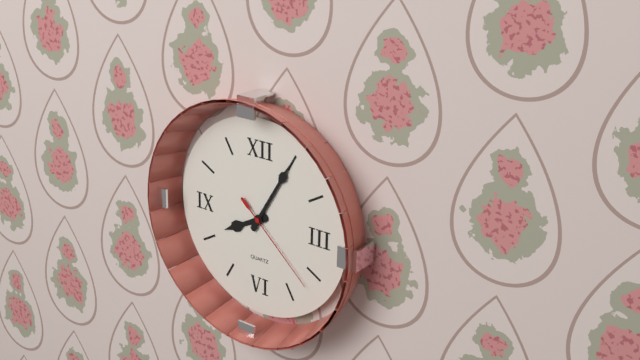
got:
8:05:22
